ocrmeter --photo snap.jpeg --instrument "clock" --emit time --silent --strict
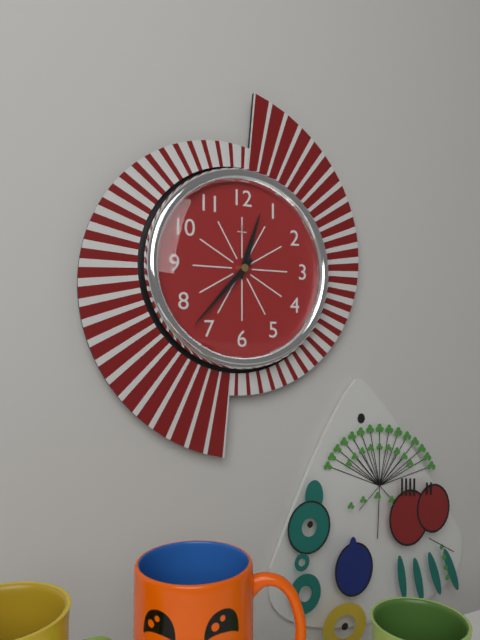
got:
12:37
